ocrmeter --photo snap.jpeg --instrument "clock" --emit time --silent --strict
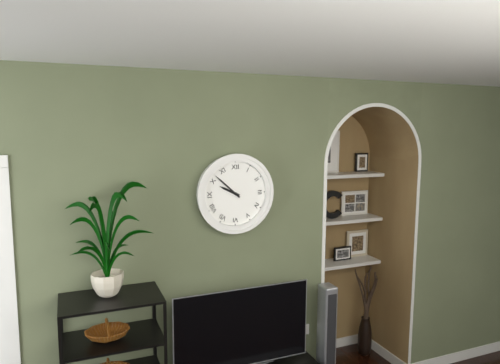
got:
9:52
